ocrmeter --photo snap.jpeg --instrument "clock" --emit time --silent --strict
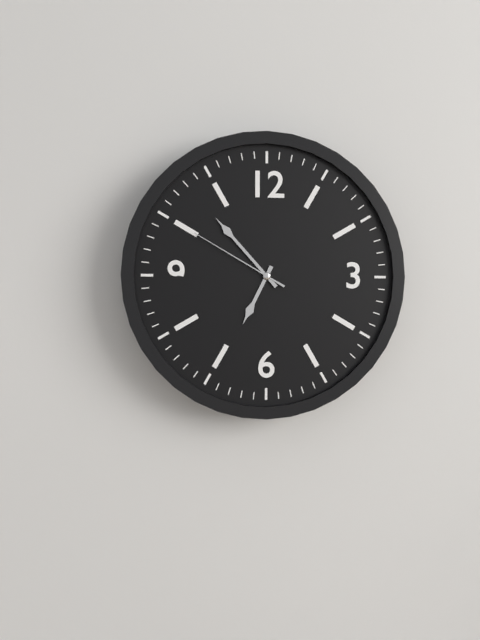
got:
6:53:50
